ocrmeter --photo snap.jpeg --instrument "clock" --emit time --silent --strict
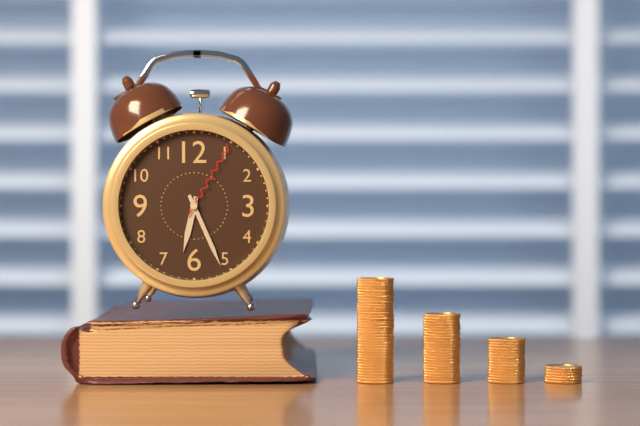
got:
6:26:05
